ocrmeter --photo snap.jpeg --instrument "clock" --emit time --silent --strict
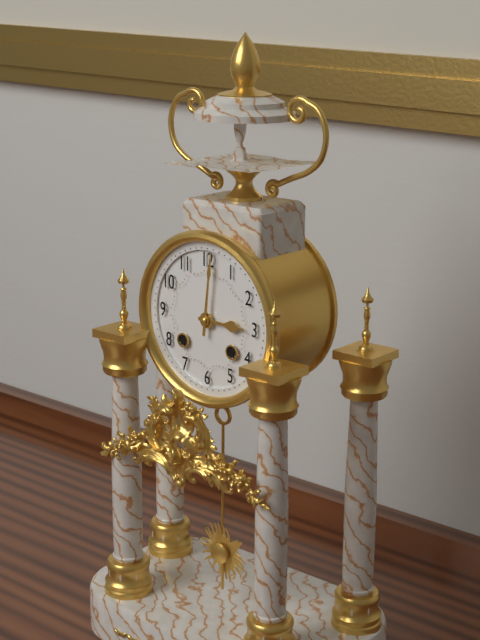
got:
3:01
